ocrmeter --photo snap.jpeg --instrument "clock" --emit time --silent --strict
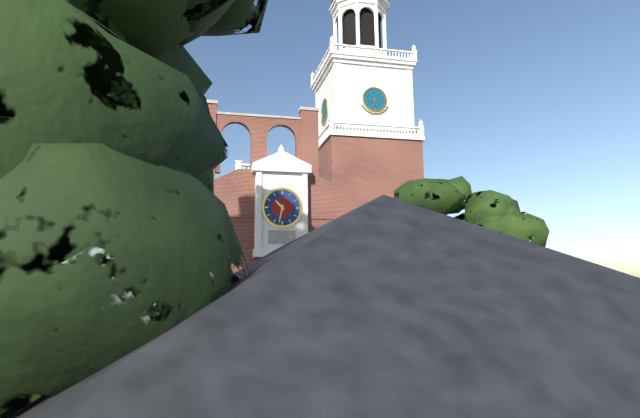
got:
10:32
